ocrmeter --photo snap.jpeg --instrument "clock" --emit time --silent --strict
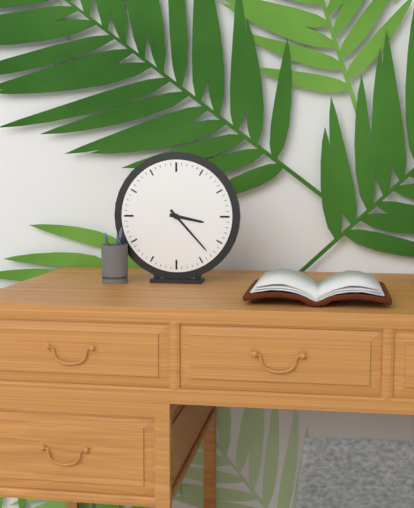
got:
3:23
